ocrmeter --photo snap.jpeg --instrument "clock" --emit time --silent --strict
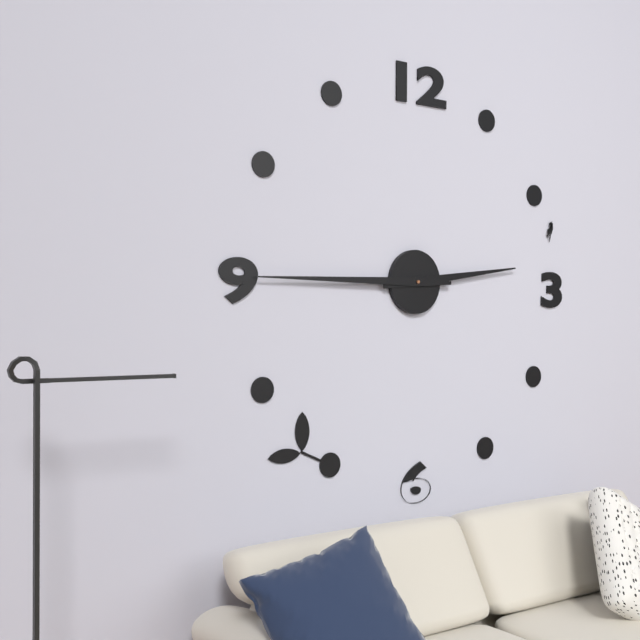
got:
2:45
